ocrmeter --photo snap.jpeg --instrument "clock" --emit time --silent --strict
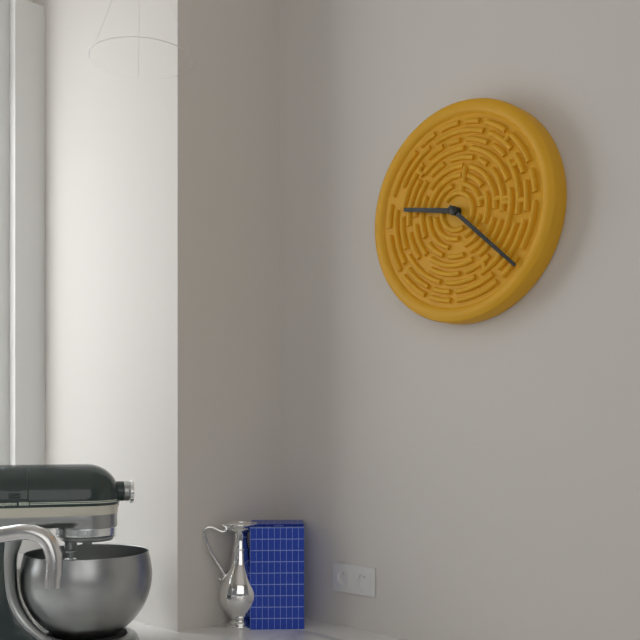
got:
9:22
